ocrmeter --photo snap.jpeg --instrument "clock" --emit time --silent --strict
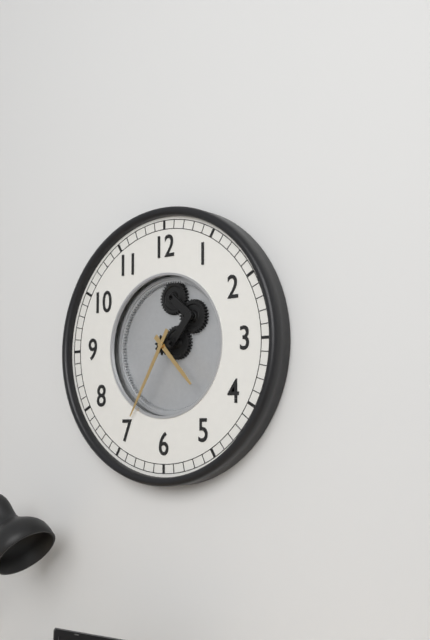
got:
4:35
